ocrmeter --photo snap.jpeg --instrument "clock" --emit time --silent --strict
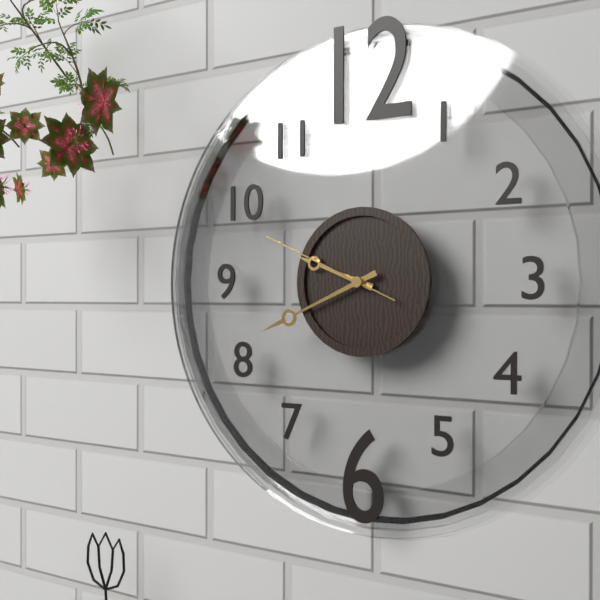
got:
9:41:49
